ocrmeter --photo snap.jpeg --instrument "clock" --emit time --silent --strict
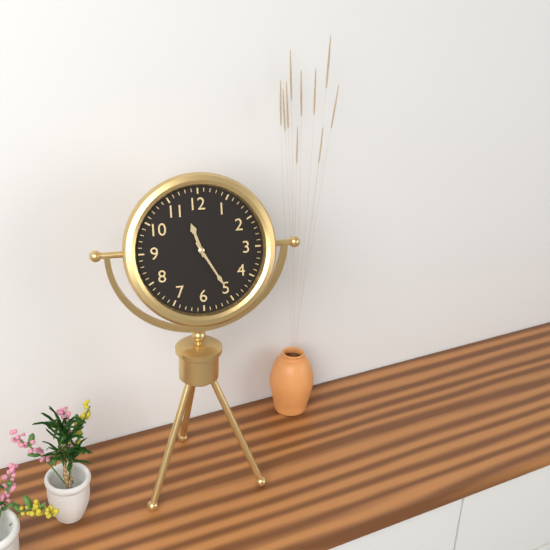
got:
11:25
